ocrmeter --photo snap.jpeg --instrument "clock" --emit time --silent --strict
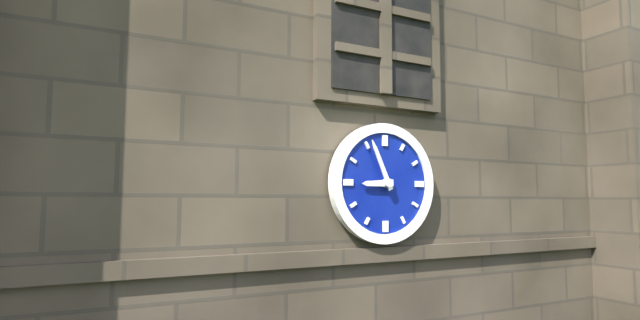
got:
8:56
